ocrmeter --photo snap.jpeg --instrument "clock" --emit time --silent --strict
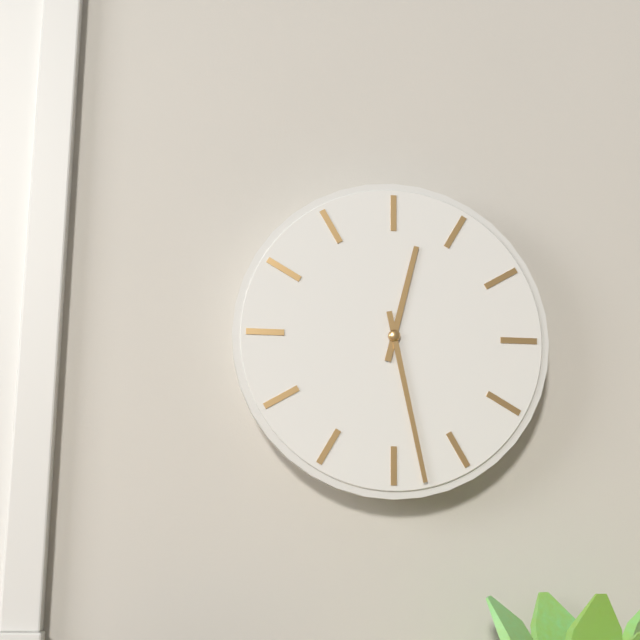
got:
12:28
